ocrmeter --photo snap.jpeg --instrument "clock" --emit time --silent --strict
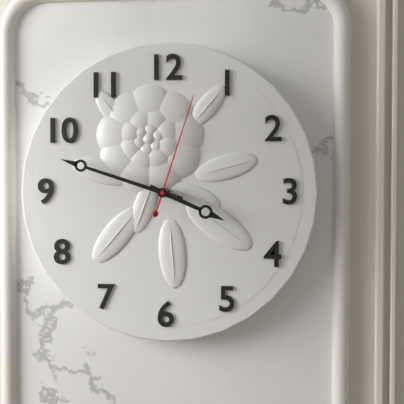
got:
3:48:03
